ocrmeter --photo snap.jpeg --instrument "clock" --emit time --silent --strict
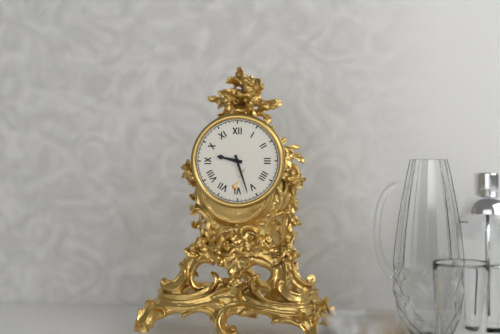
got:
9:27
